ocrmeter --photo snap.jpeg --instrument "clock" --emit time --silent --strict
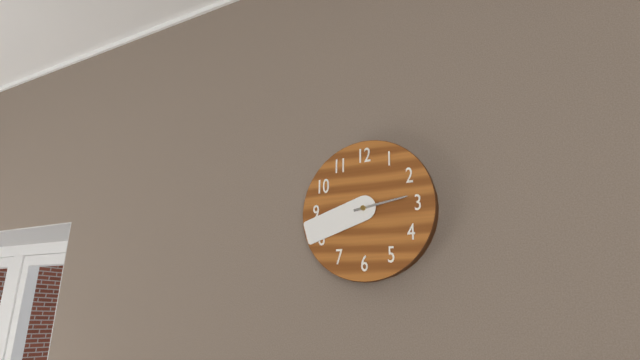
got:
2:42
